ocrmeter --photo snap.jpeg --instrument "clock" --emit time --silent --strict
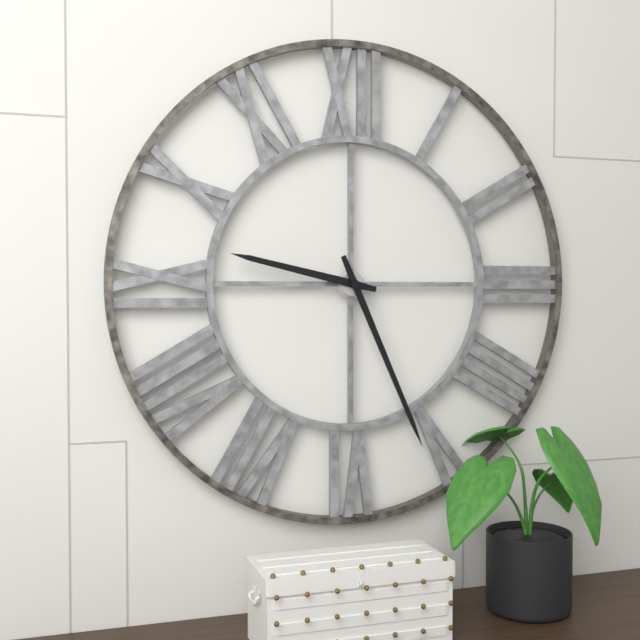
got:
9:26
